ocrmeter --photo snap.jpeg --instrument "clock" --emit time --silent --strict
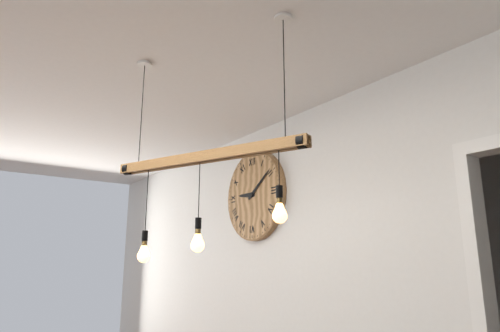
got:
9:09
